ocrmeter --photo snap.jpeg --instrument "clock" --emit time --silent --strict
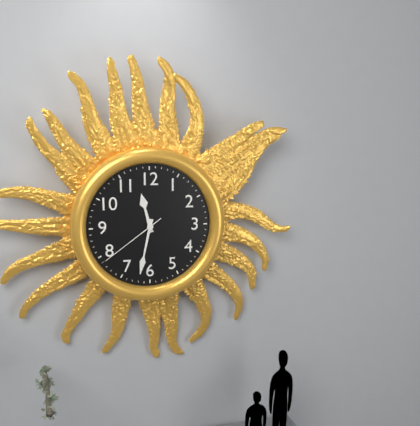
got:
11:32:39
